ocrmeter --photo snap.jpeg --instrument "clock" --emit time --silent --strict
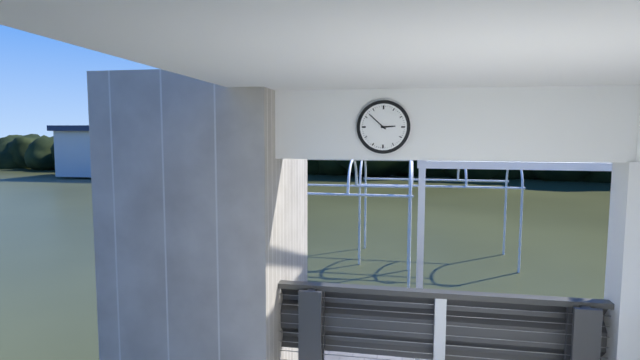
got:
2:52
